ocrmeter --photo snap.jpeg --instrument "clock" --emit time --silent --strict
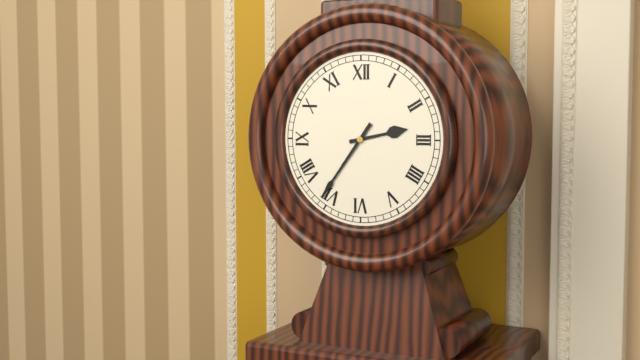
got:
2:36
